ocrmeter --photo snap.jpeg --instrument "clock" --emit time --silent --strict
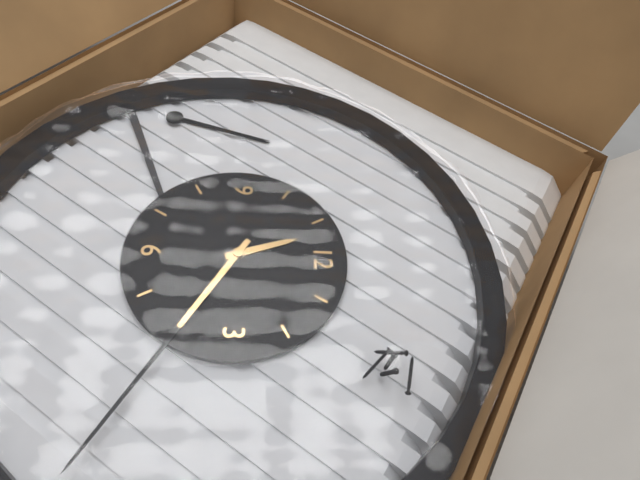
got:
11:20
